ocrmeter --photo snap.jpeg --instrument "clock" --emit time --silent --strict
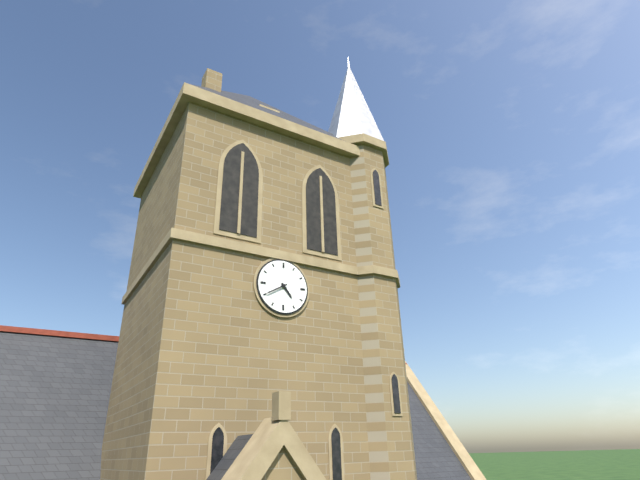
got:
4:40
